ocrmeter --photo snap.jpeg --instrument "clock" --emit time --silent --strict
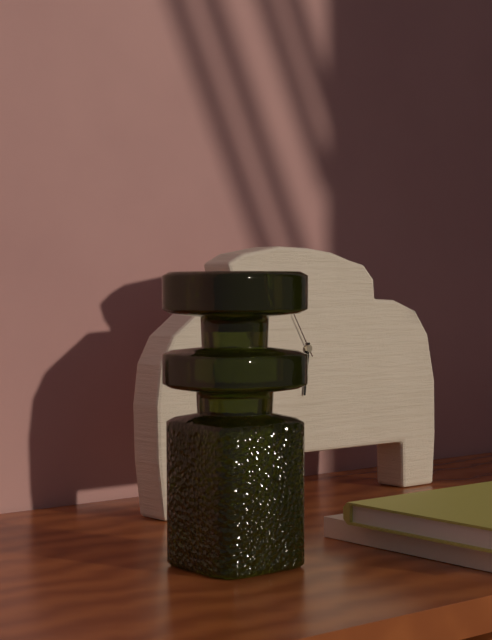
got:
6:31
